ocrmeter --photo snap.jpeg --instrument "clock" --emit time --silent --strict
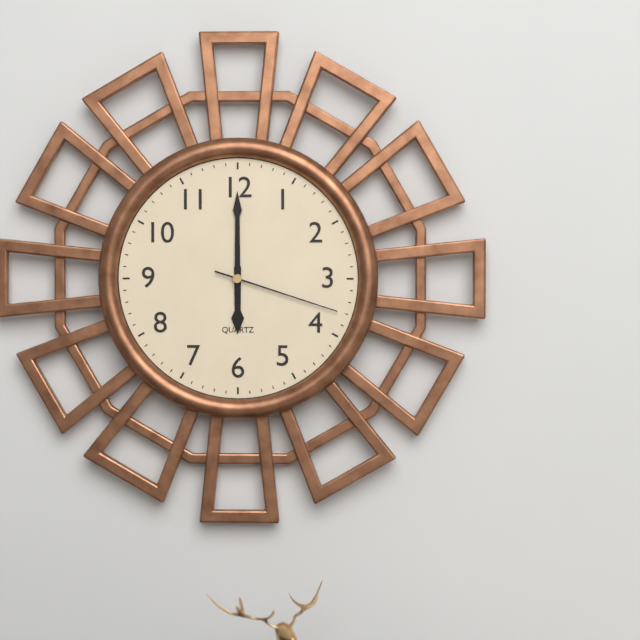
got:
6:00:18
